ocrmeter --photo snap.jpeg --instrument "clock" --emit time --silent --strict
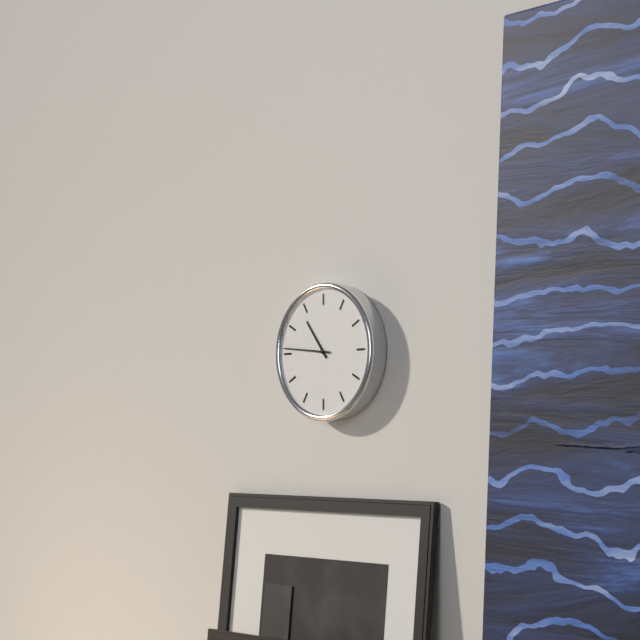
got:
10:46
